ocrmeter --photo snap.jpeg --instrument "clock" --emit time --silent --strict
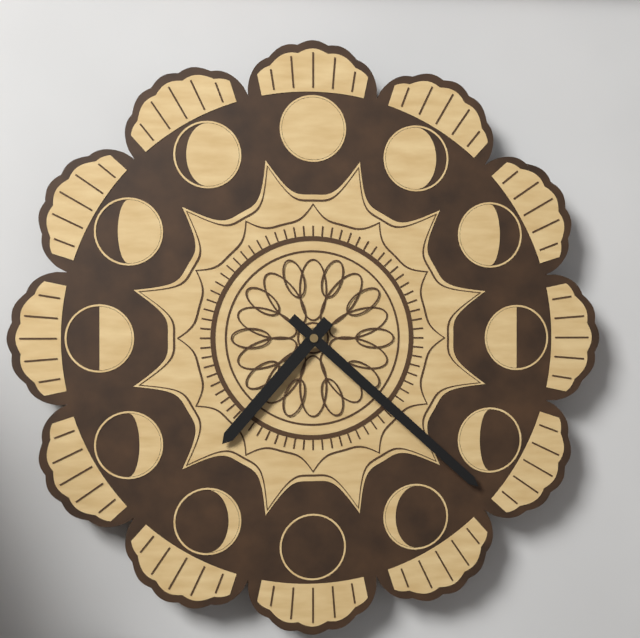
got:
7:22
